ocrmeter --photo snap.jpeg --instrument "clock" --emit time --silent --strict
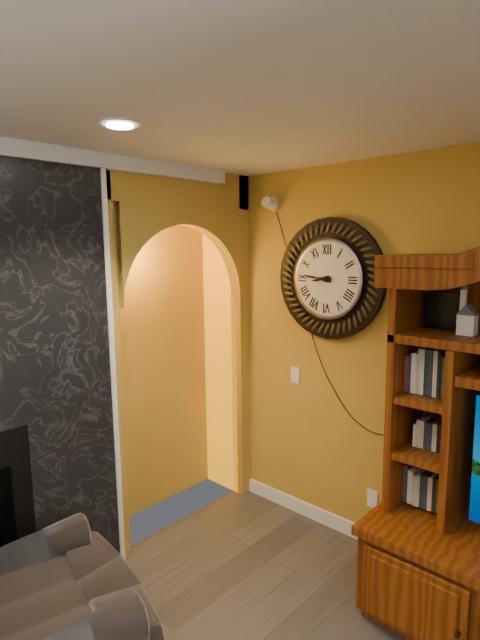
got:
8:46
